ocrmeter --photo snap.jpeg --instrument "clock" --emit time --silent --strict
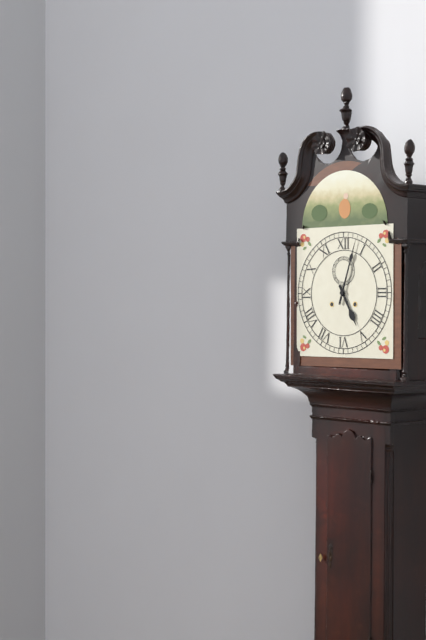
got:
5:03
